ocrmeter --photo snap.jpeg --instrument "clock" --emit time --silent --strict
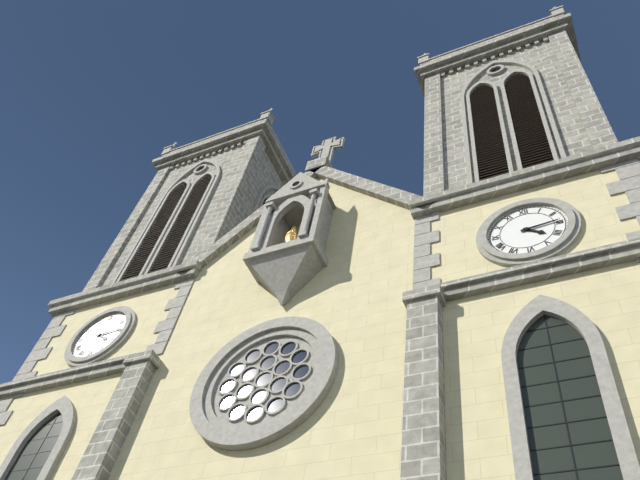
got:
4:14
